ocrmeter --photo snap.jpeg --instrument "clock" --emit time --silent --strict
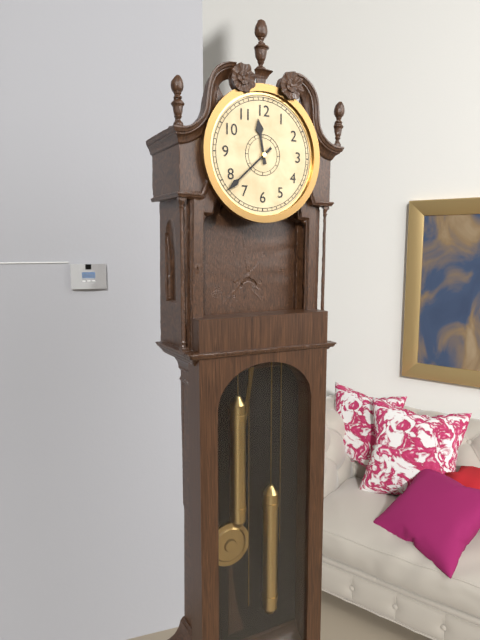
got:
11:38
